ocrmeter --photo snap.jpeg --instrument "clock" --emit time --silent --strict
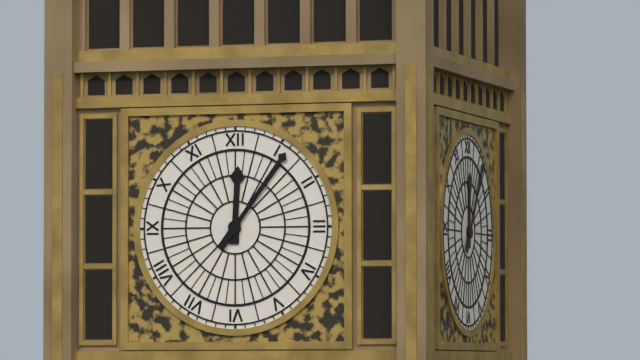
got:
12:06
